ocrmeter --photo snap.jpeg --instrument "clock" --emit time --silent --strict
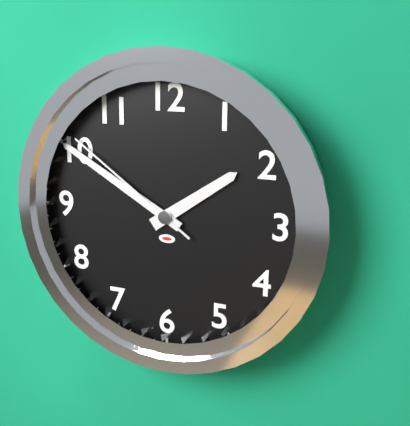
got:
1:50:51
